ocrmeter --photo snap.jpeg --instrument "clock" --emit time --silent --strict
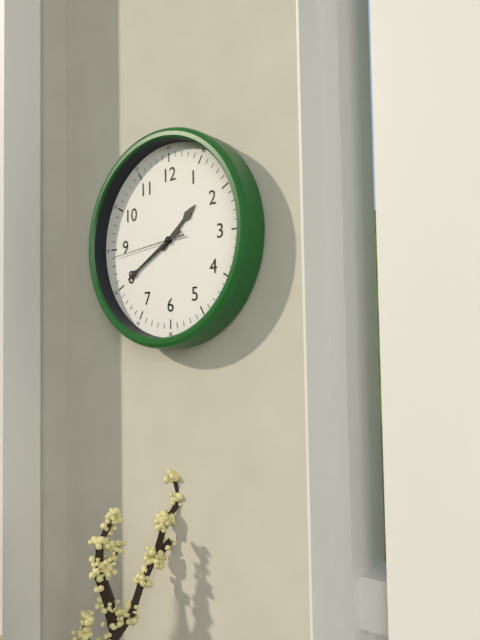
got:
1:40:44
